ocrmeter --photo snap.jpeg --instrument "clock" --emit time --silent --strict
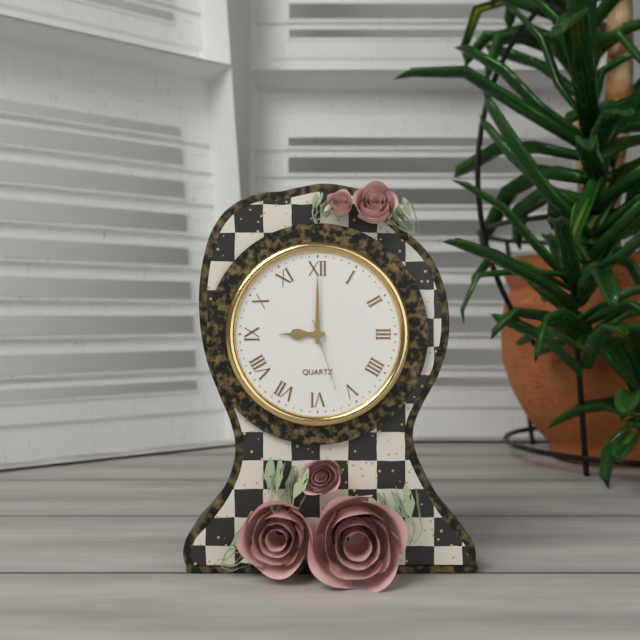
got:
9:00:27
